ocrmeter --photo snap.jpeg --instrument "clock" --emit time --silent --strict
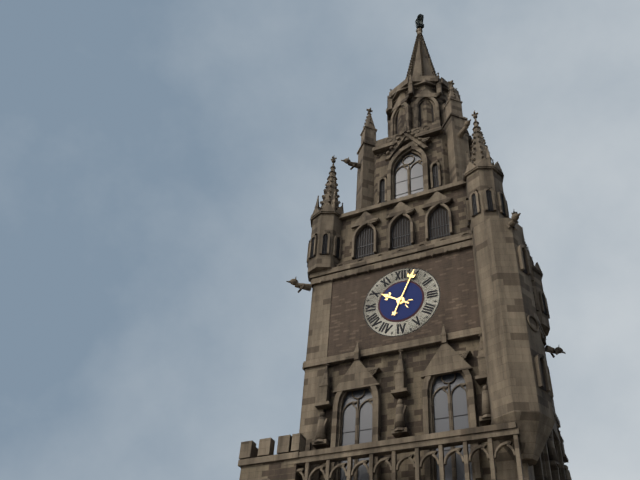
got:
10:04
